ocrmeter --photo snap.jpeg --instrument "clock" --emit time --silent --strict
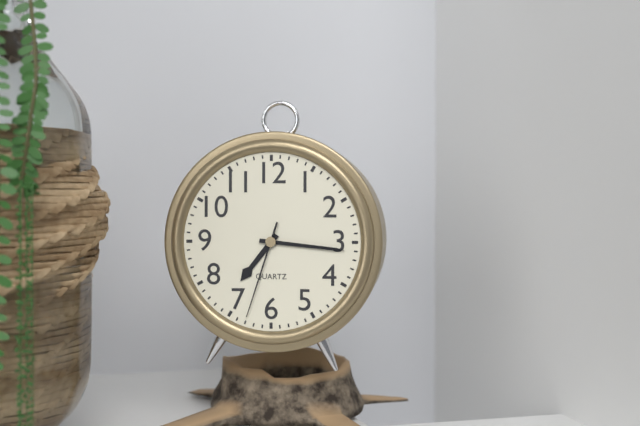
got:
7:16:33
